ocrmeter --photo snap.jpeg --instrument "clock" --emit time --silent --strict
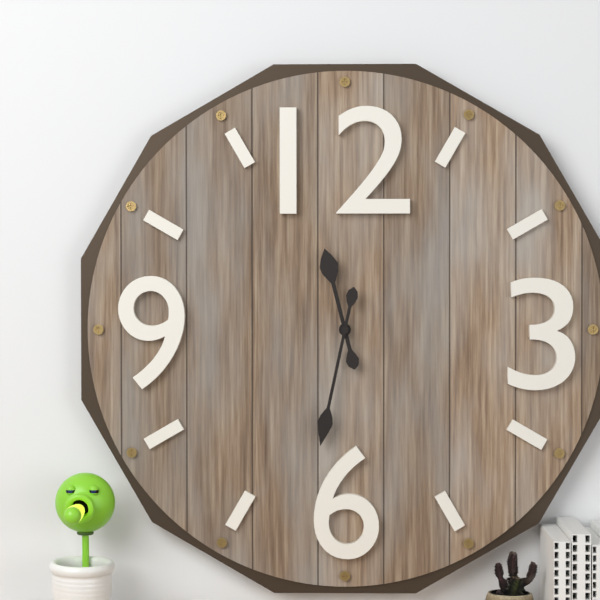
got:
11:32
